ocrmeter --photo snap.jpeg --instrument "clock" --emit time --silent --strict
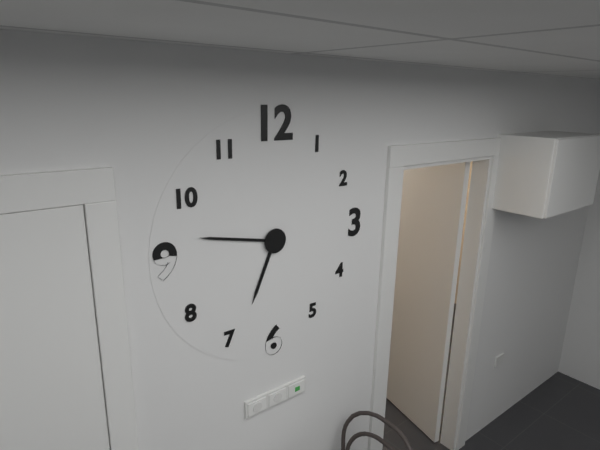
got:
6:47
